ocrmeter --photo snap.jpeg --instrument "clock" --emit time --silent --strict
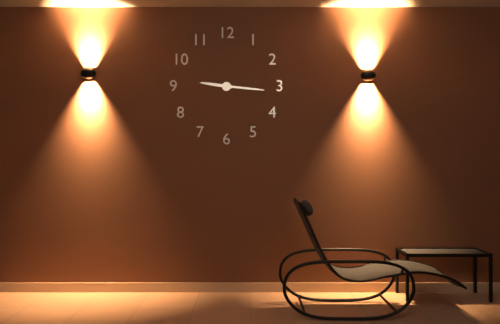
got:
9:16
